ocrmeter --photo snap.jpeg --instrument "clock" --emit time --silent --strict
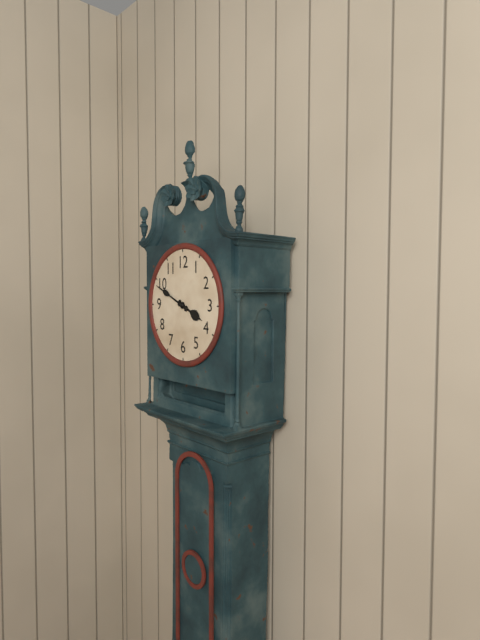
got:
3:49
